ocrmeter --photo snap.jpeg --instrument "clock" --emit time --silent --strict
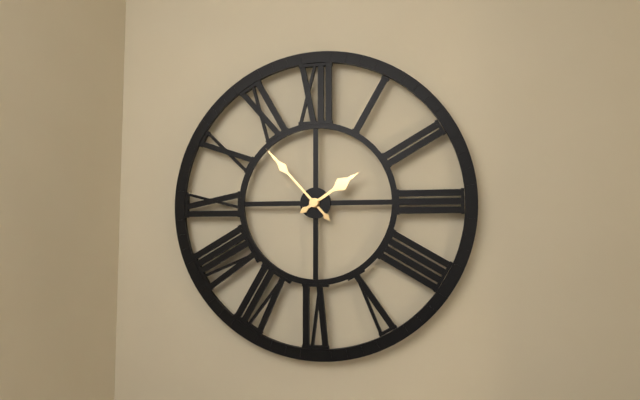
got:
1:53
